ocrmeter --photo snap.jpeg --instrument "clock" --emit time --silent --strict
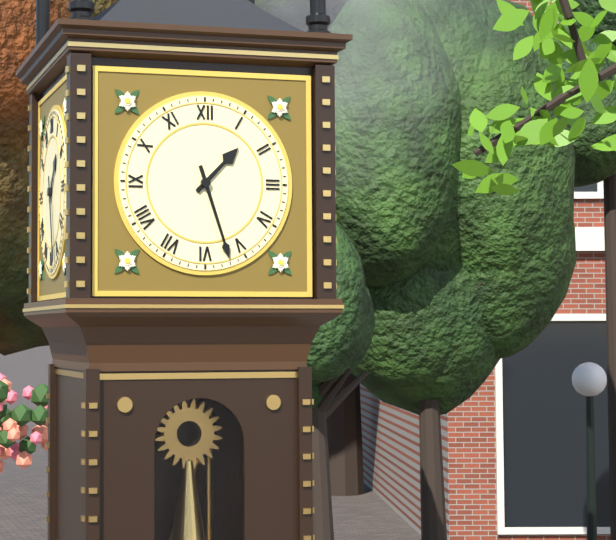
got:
1:27
